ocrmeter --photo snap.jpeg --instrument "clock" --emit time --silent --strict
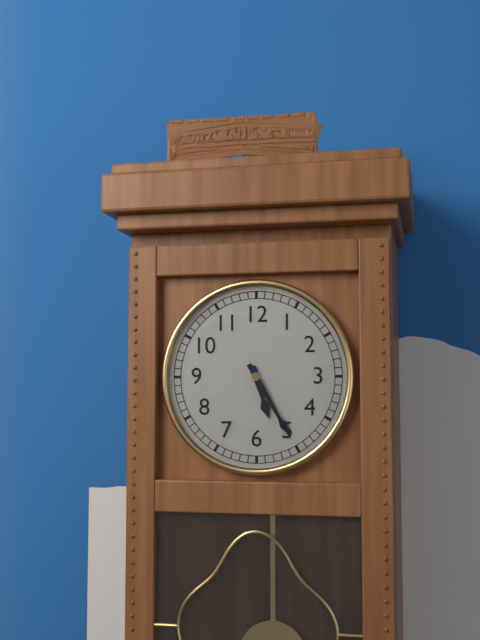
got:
5:25
